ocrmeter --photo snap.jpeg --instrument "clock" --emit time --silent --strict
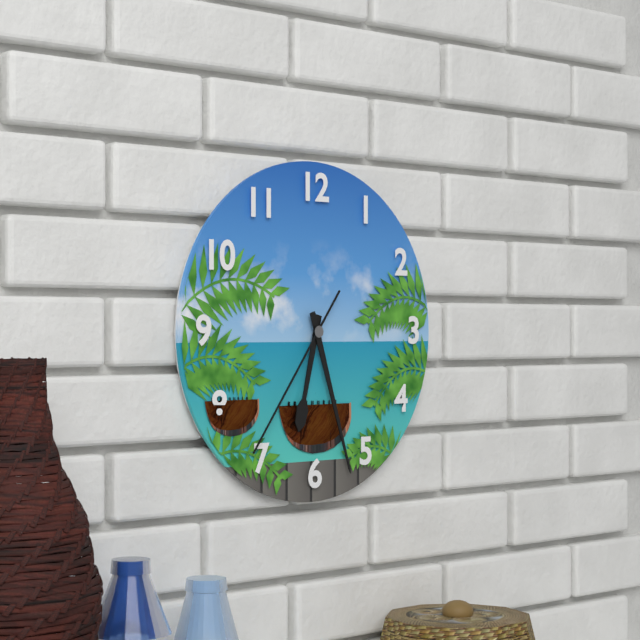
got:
6:27:36
